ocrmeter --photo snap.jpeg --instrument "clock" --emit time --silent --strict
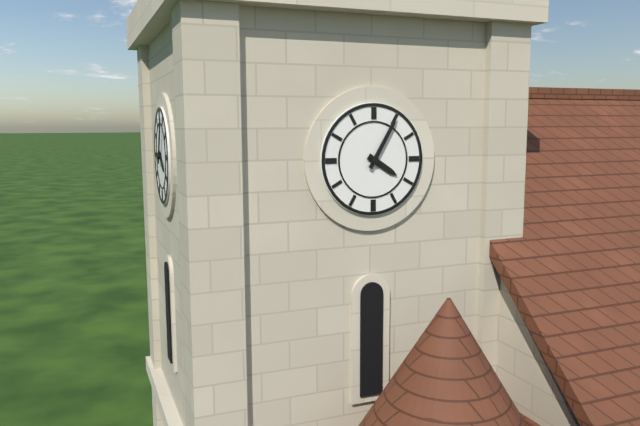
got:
4:05
